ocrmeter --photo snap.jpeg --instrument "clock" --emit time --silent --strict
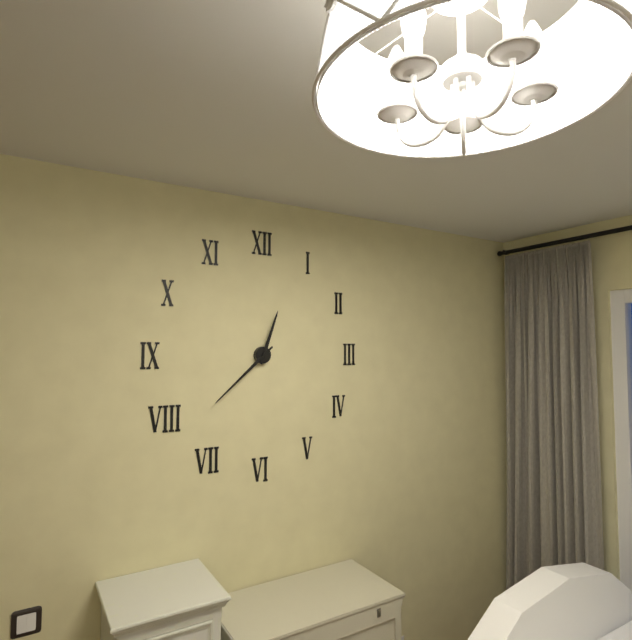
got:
12:38
